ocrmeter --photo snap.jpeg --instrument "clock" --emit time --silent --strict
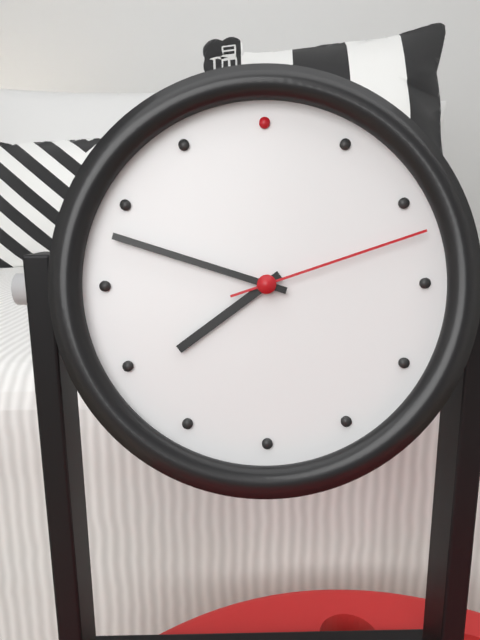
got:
7:48:12
